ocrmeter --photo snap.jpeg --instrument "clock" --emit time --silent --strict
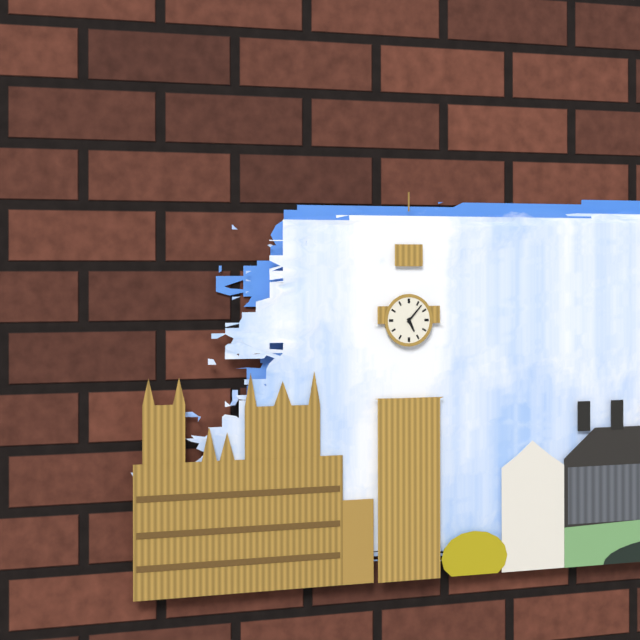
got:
5:07
